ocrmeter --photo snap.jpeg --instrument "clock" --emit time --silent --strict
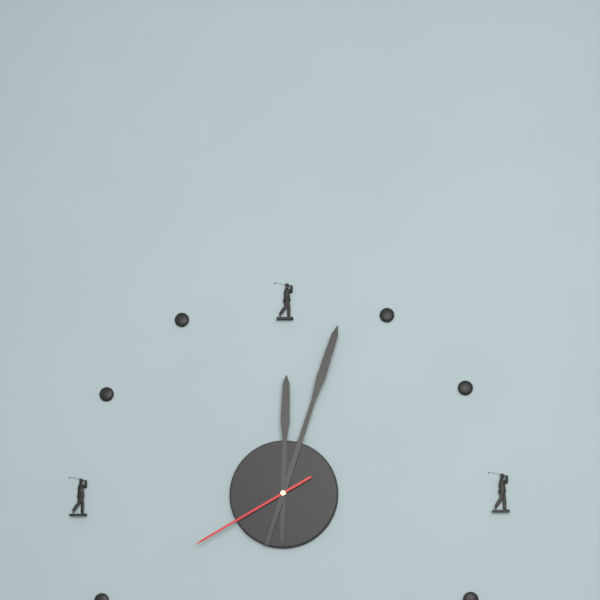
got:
12:03:40
